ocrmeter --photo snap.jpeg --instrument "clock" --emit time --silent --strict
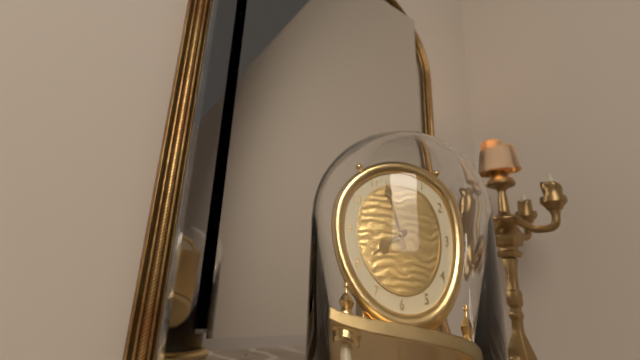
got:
7:57
